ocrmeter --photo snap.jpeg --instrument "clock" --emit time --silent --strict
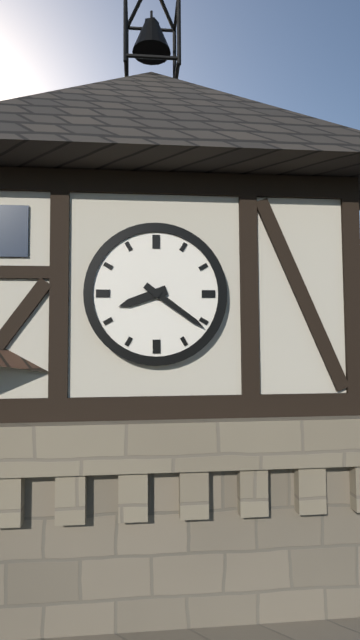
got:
8:21
